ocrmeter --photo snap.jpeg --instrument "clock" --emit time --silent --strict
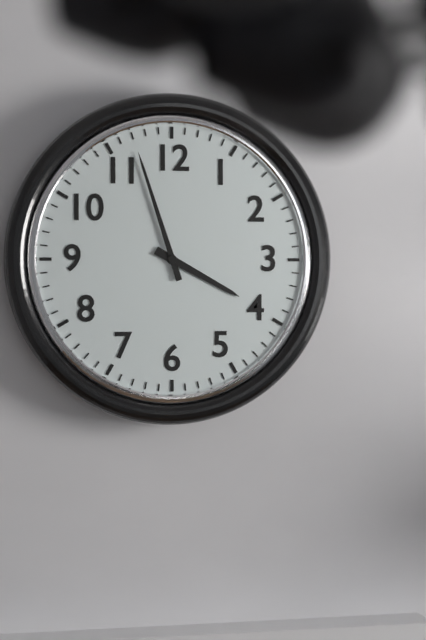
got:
3:57
